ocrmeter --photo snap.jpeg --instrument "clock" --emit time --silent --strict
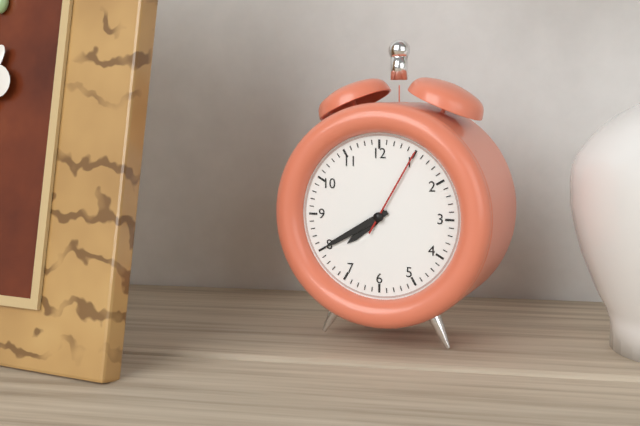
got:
7:40:05
